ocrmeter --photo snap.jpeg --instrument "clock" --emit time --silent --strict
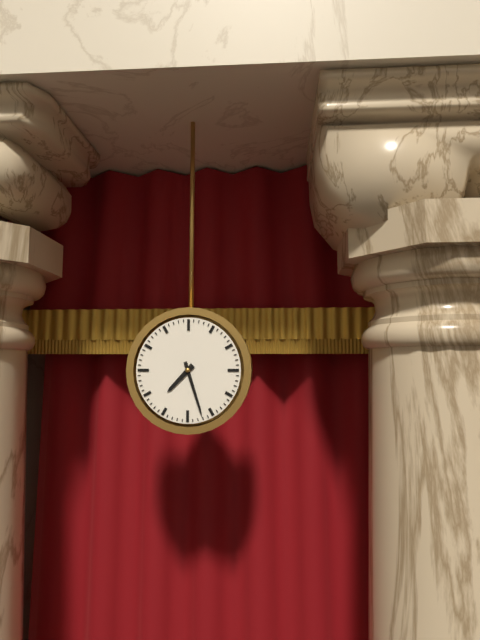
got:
7:27
